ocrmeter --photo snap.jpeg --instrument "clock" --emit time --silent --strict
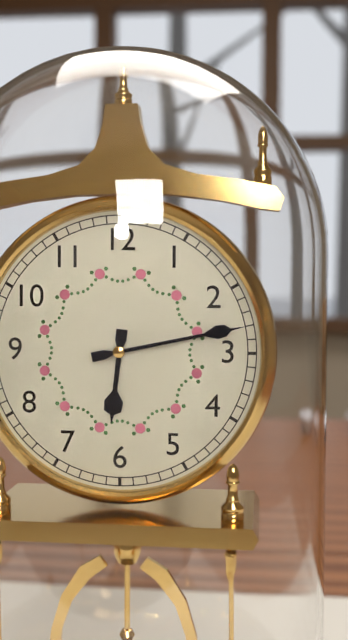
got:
6:13
